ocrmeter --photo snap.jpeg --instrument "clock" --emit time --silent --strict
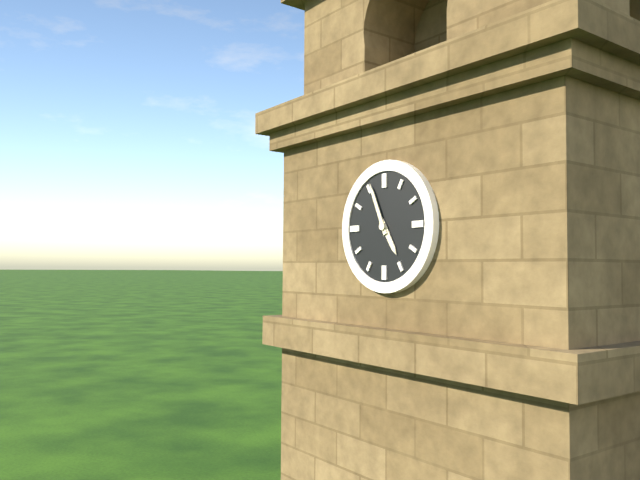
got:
4:56
